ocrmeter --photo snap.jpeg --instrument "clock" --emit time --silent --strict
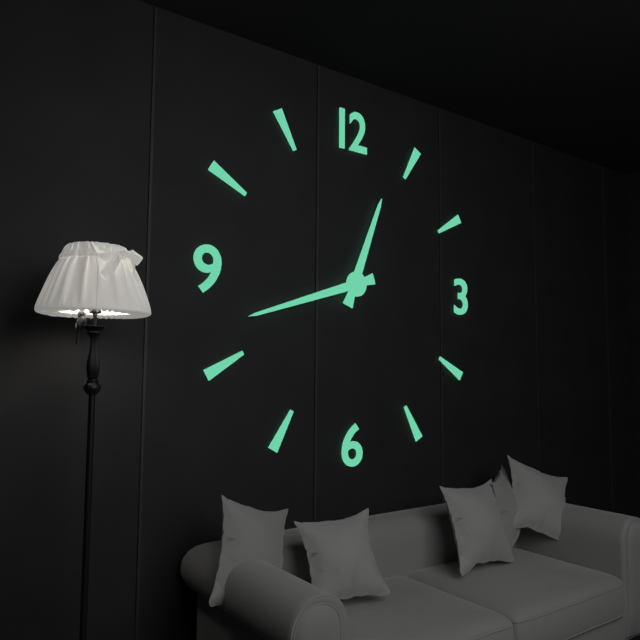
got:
12:42
